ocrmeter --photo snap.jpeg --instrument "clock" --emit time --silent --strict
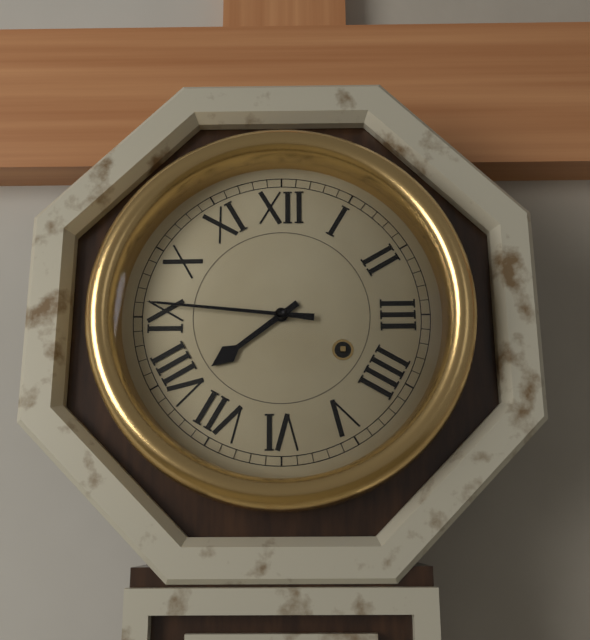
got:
7:46
